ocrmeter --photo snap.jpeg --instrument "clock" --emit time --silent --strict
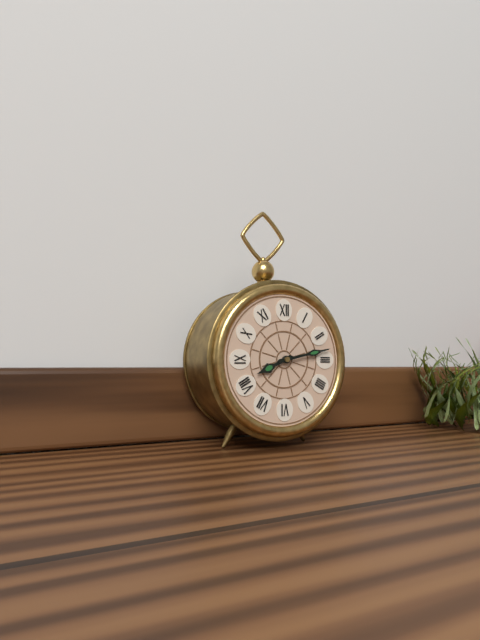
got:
8:13
